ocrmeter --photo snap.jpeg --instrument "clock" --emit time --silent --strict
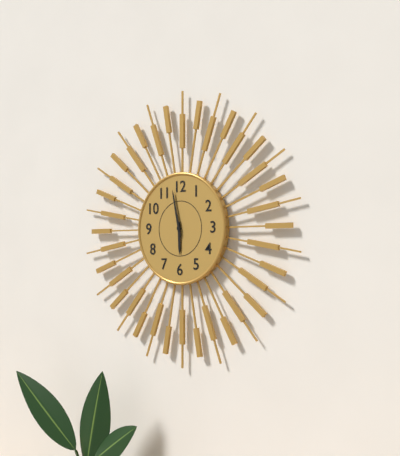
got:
5:58
